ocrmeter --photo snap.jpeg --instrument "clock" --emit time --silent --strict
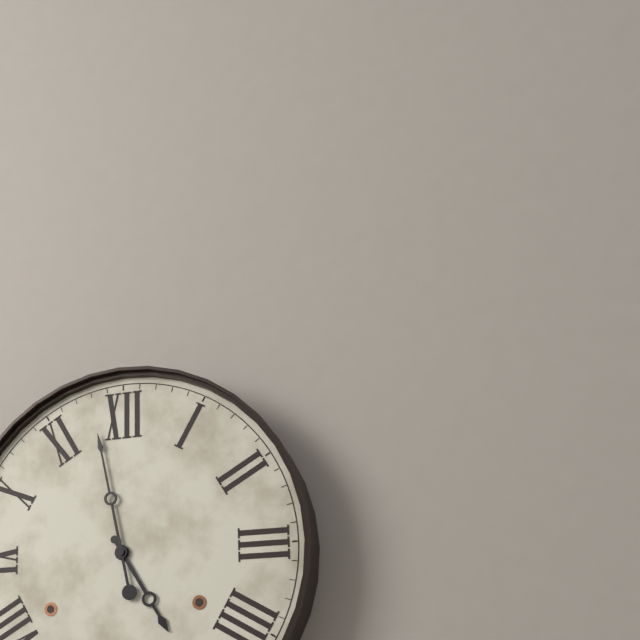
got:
4:58
